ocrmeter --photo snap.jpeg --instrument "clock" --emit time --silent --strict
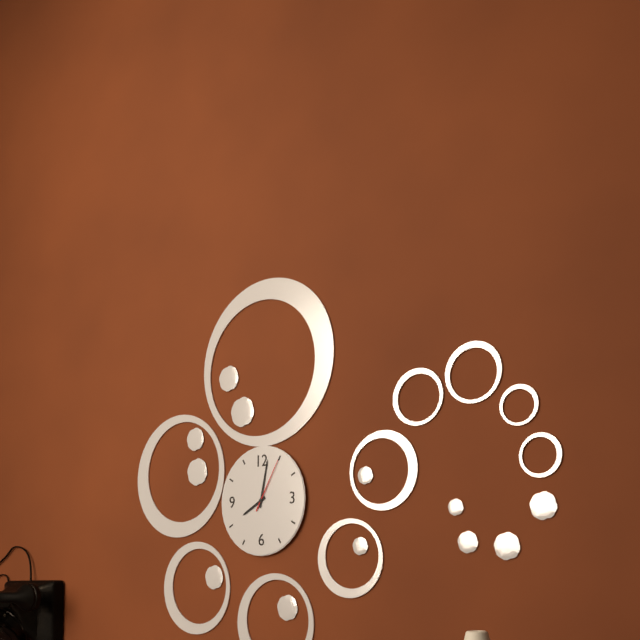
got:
8:02:05
